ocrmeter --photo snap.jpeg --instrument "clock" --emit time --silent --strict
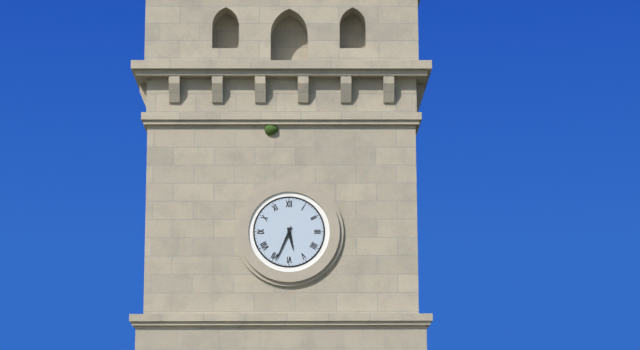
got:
5:34
